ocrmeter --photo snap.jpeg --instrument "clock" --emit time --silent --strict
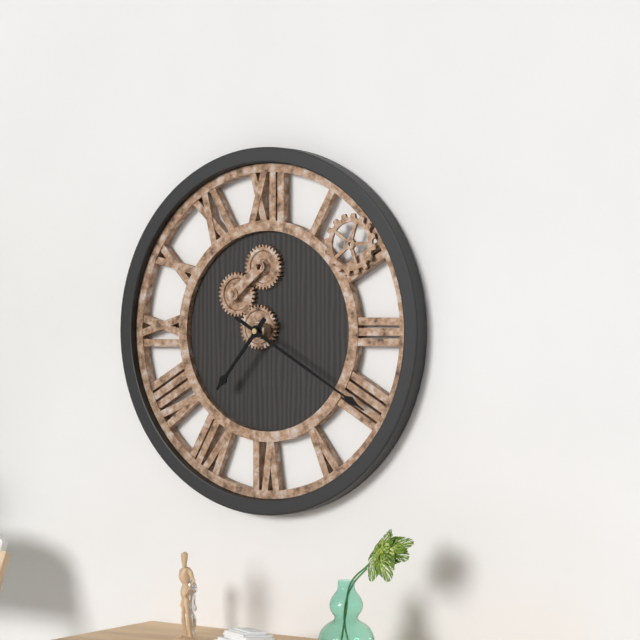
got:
7:20
